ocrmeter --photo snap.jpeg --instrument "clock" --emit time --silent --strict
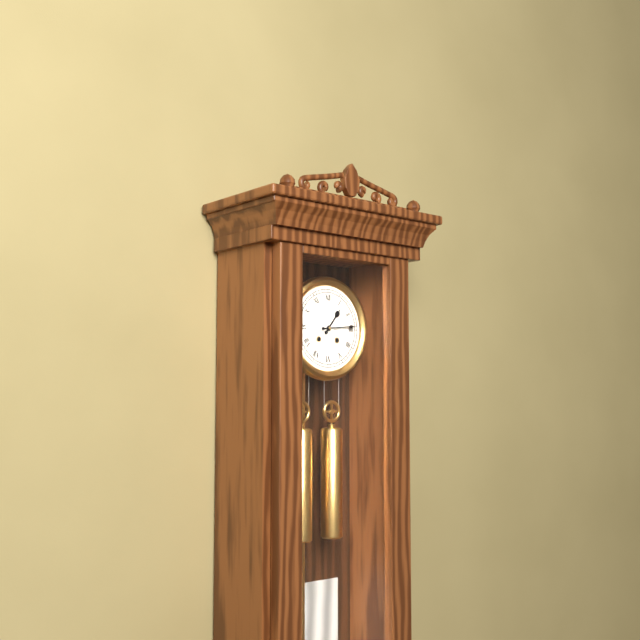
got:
1:14
